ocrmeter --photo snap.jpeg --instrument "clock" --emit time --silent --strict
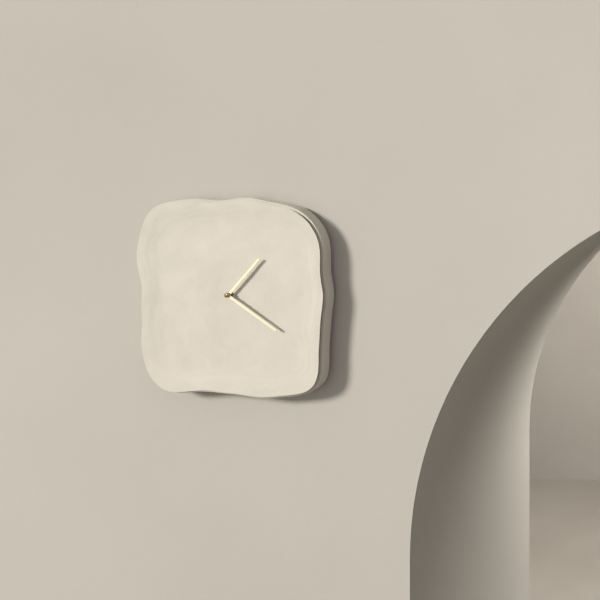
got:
1:21
